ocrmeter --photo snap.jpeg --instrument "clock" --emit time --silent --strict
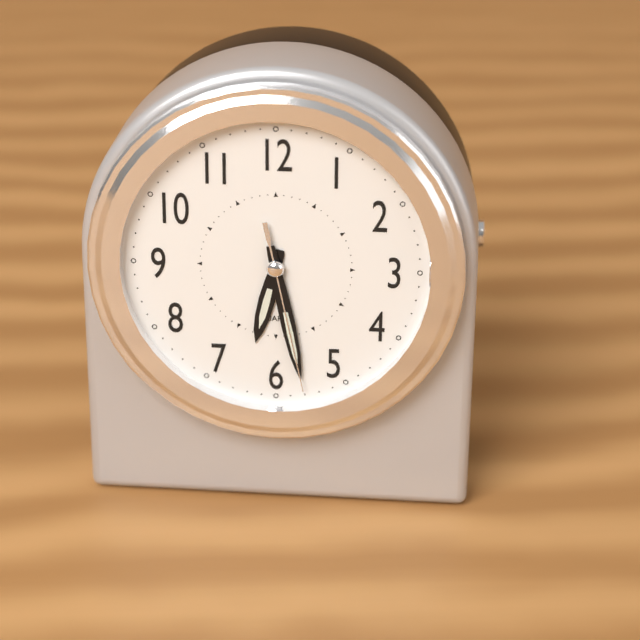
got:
6:28:28
